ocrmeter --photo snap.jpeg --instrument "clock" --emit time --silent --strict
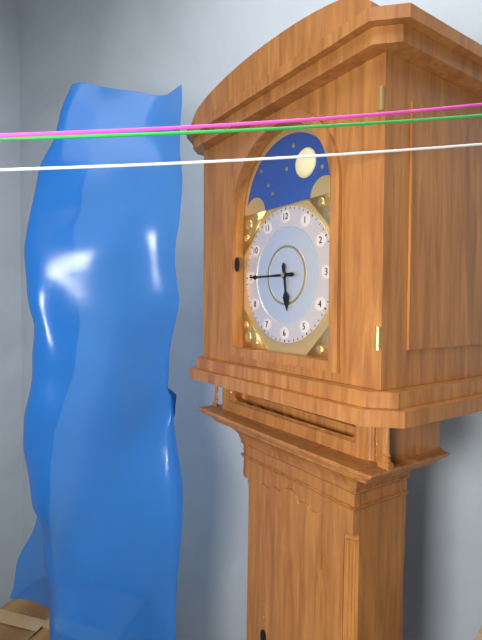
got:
5:45
